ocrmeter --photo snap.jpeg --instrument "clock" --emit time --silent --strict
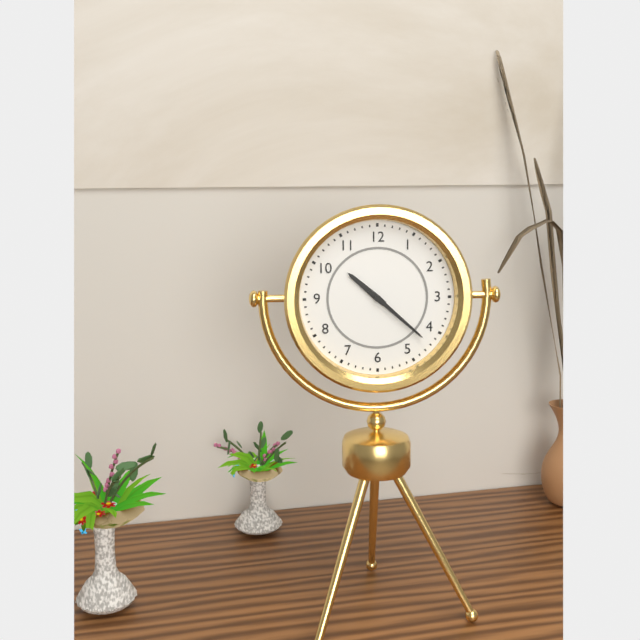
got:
10:22
